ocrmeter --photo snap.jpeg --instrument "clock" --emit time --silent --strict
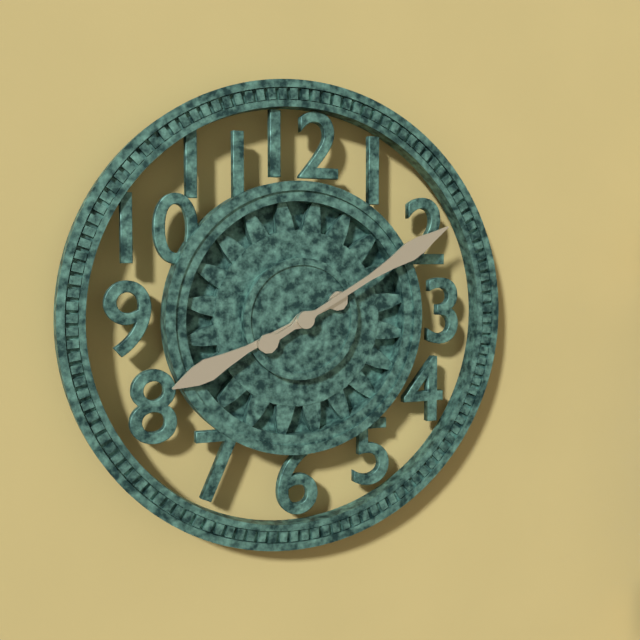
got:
8:10
